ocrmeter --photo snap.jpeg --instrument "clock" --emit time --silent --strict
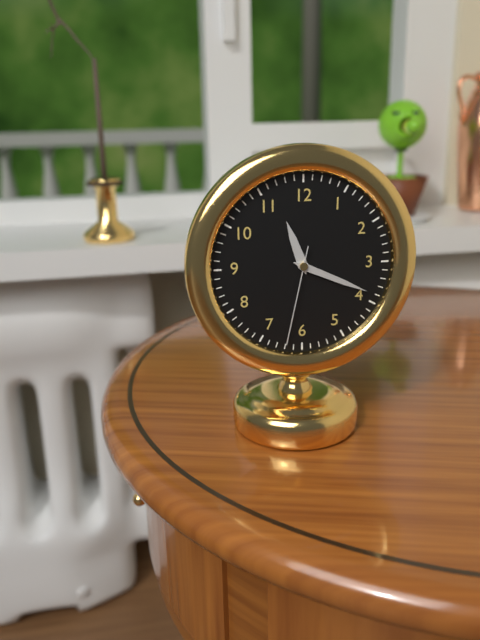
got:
11:19:32
